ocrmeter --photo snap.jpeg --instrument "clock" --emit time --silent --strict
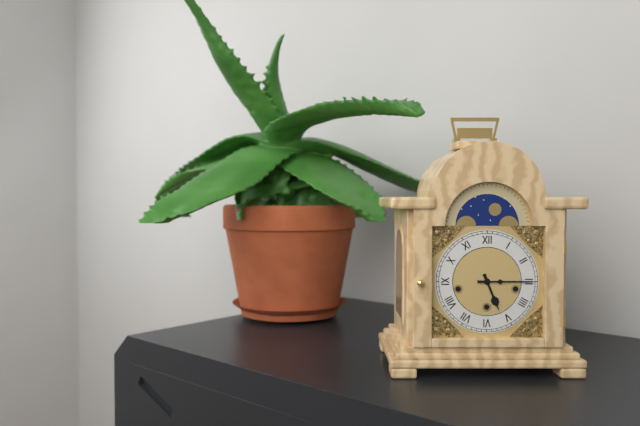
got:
5:15
